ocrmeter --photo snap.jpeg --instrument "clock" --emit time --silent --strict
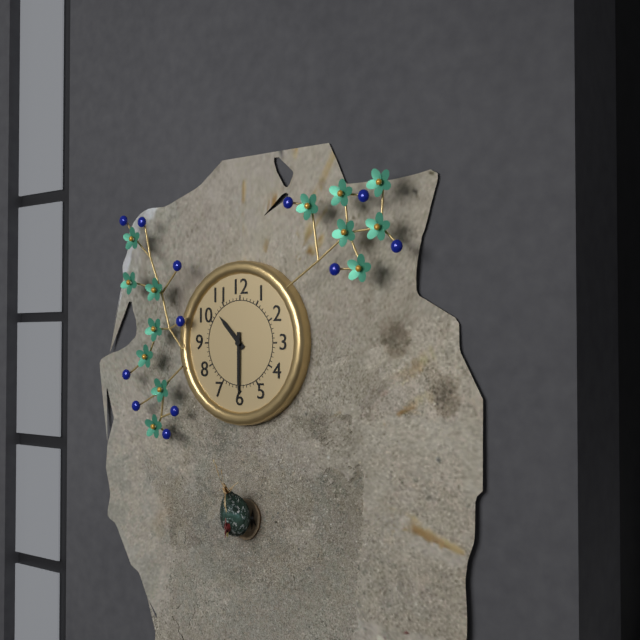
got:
10:30
